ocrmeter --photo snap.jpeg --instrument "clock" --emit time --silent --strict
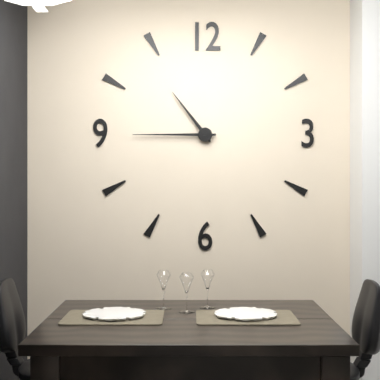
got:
10:45
